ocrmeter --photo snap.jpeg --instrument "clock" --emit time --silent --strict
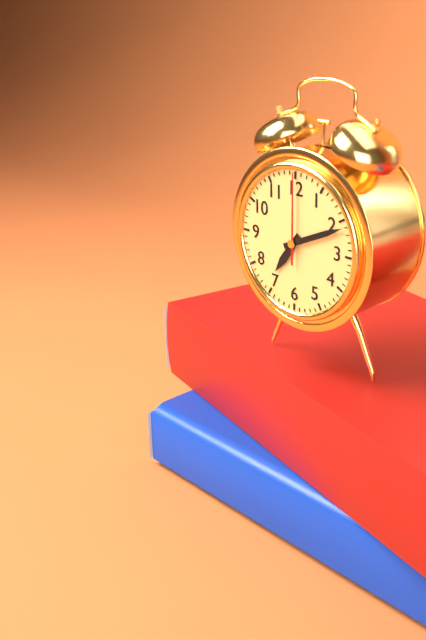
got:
7:11:00
